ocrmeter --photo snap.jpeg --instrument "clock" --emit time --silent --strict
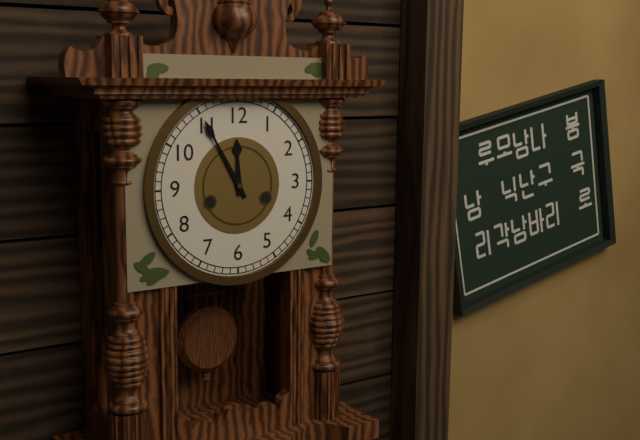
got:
11:55
